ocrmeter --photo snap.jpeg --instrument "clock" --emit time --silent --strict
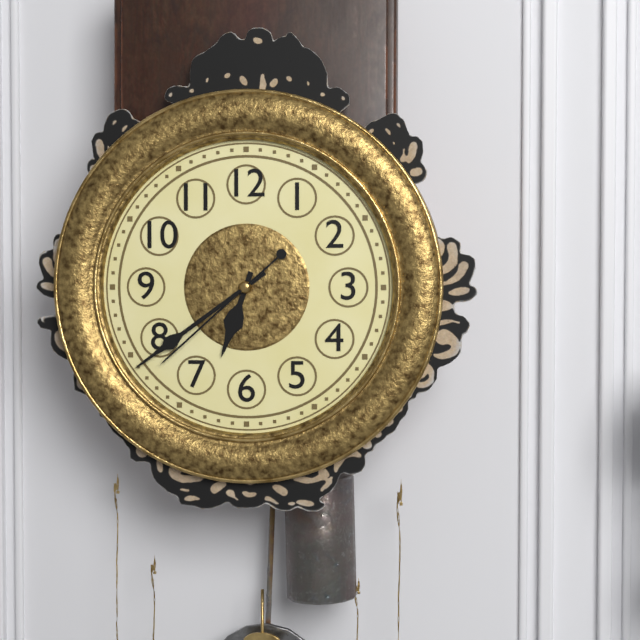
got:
6:39:38
